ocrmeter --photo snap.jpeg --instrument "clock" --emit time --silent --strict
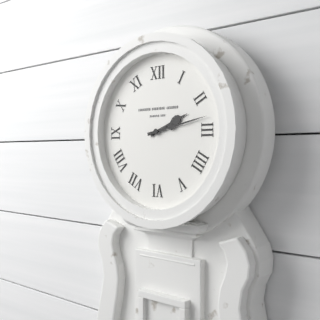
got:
2:13
